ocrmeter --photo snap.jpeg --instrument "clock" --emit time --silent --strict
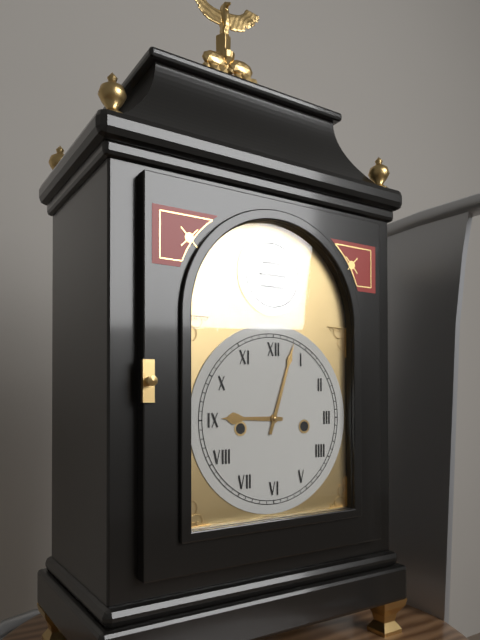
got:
9:03
